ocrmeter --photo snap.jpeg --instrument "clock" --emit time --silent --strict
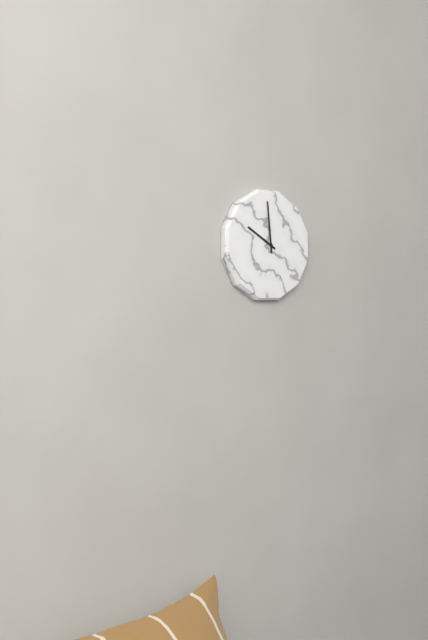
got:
9:59
